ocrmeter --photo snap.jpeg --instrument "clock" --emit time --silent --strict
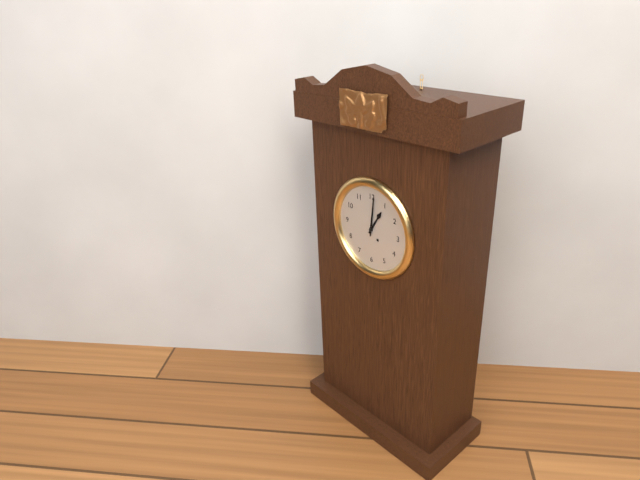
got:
1:01
